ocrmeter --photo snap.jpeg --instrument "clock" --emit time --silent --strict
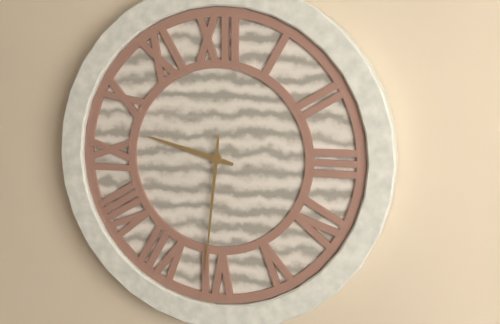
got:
9:31
